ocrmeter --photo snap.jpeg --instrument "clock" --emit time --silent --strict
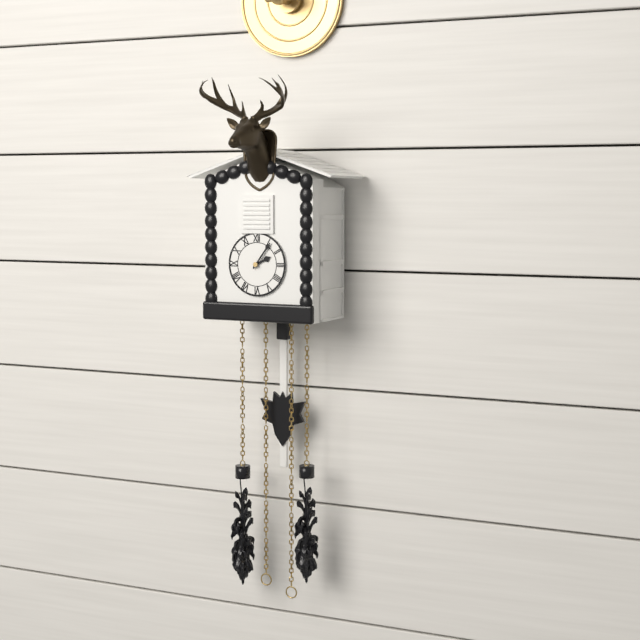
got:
2:06
